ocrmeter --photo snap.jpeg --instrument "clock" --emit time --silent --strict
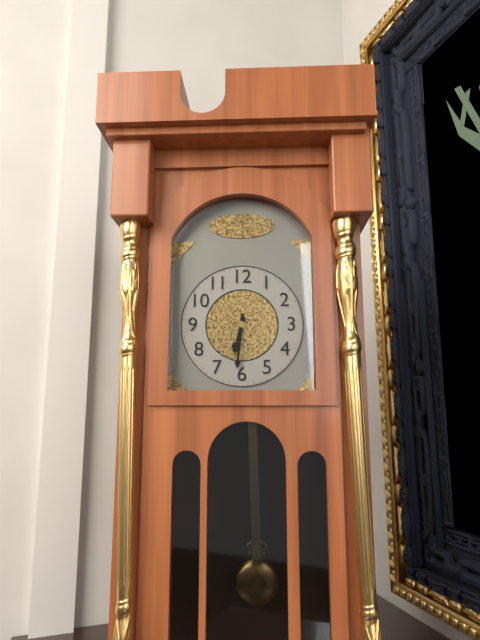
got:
6:31
